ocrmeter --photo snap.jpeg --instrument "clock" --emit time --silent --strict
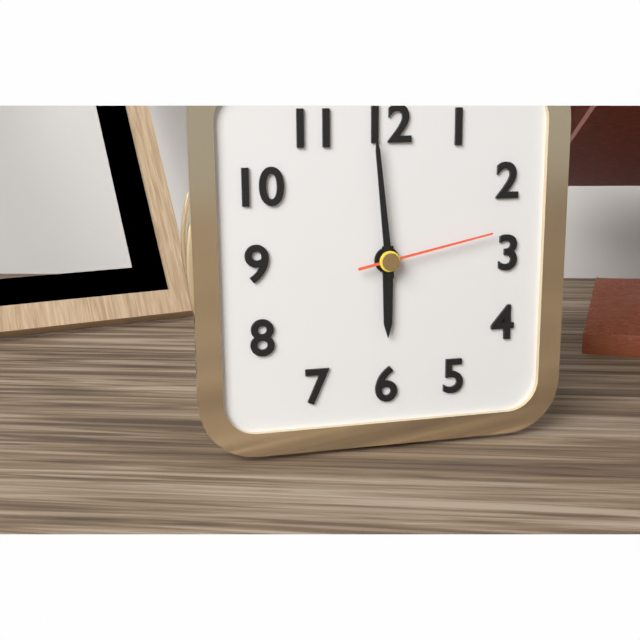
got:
5:59:13
